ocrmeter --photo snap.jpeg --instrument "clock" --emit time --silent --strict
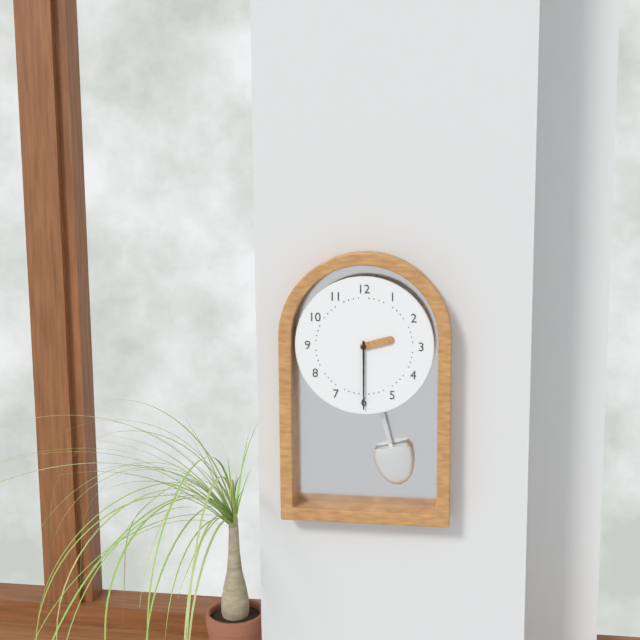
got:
2:30
